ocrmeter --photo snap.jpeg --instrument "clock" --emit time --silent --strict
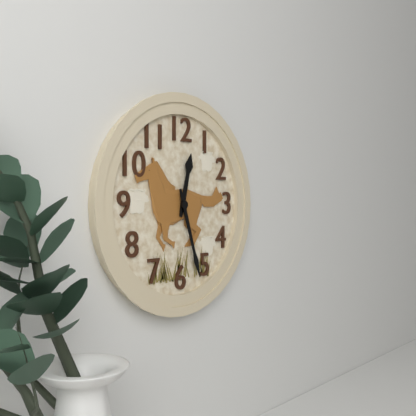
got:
12:27
